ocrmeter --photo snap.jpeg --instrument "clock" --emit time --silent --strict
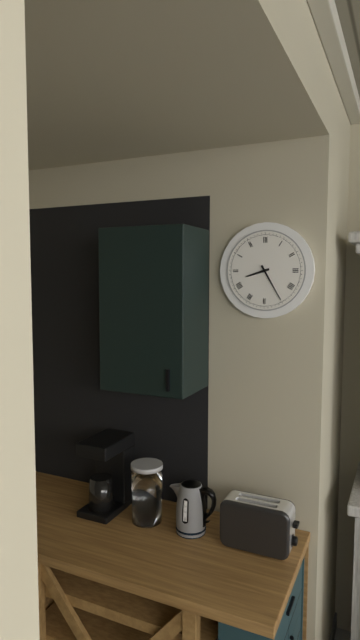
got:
8:25
